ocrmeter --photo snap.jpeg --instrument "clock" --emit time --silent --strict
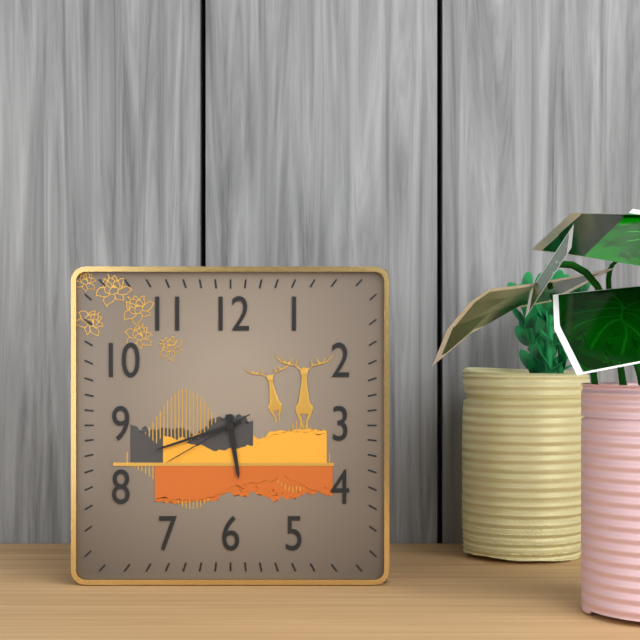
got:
5:42:40
